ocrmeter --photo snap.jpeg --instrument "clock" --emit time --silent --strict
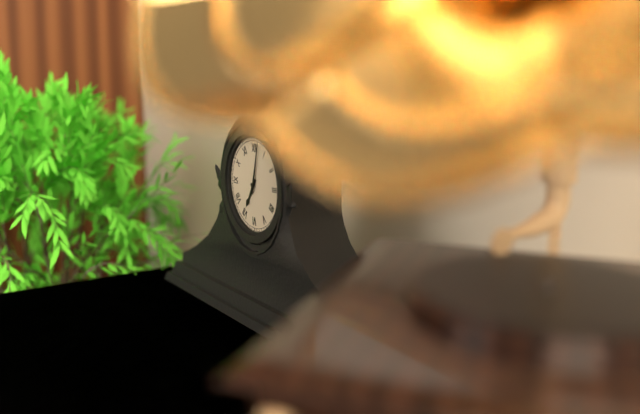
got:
7:02
